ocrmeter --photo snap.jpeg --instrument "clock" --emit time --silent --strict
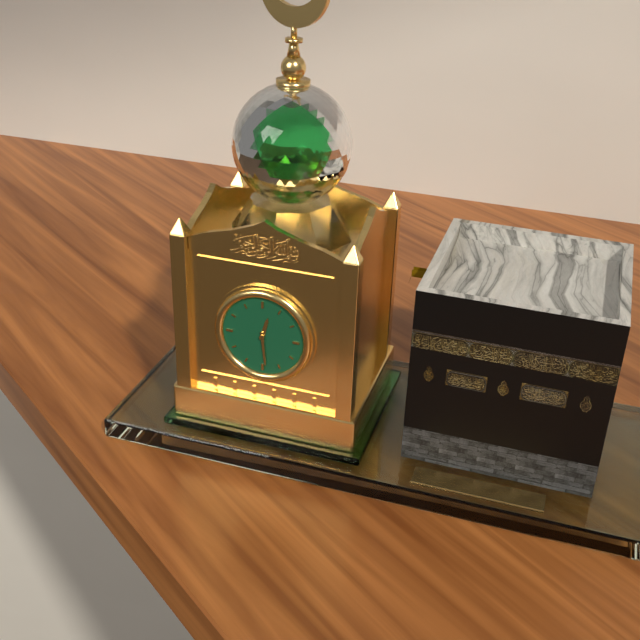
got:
12:29
